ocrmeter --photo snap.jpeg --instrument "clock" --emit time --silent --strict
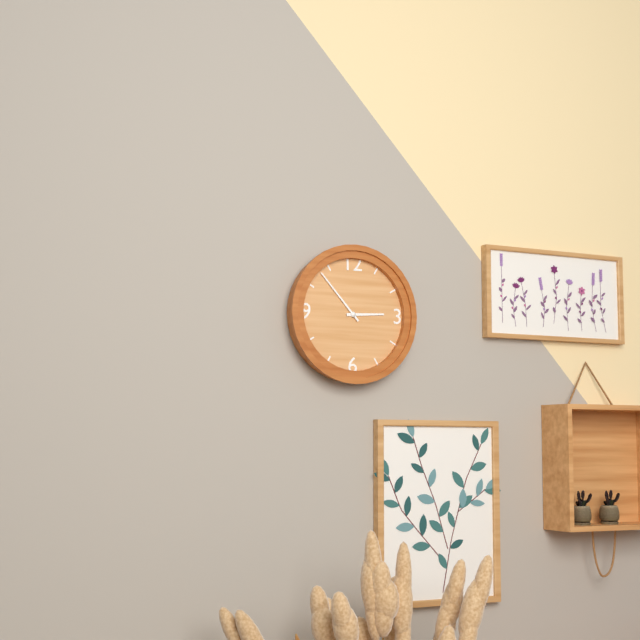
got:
2:53
